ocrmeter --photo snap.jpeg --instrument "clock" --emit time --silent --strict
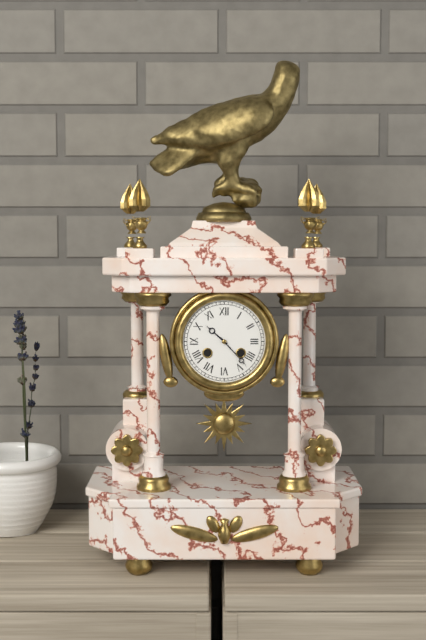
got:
10:23
